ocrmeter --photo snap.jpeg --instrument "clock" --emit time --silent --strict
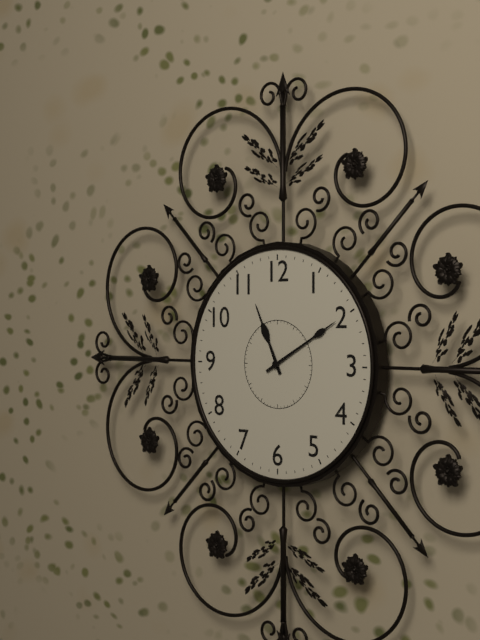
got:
11:10
